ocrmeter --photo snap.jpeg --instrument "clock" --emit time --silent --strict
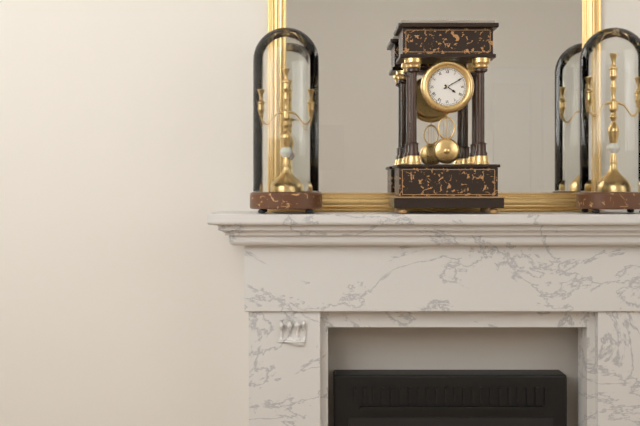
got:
4:10
